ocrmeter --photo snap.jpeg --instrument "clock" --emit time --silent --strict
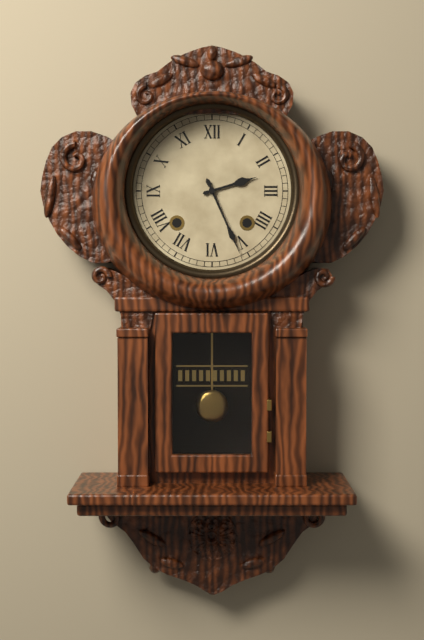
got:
2:26
